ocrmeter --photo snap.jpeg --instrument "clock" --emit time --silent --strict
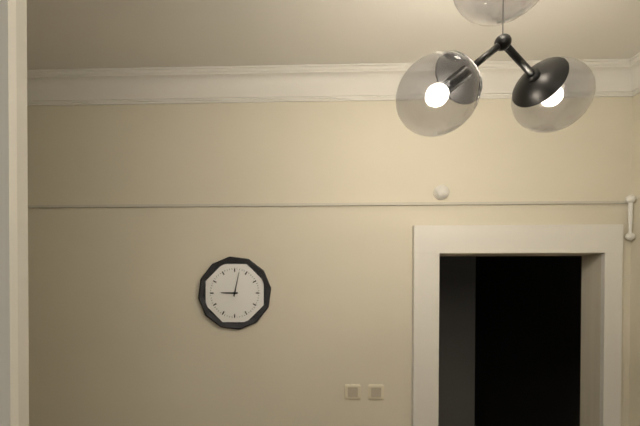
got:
9:02
